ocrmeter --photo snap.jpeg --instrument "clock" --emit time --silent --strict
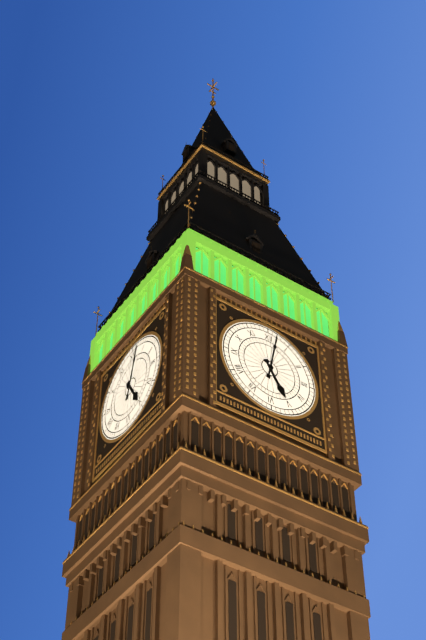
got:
5:02
